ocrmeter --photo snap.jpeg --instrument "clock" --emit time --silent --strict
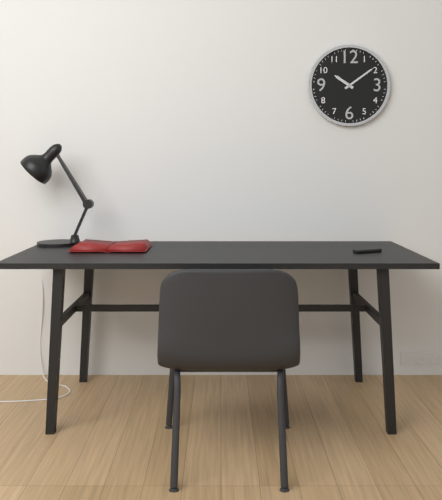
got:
10:09
